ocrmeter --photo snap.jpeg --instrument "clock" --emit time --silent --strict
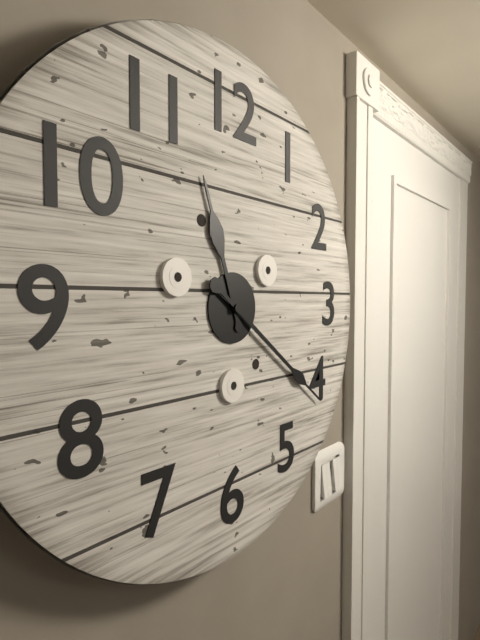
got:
11:21
